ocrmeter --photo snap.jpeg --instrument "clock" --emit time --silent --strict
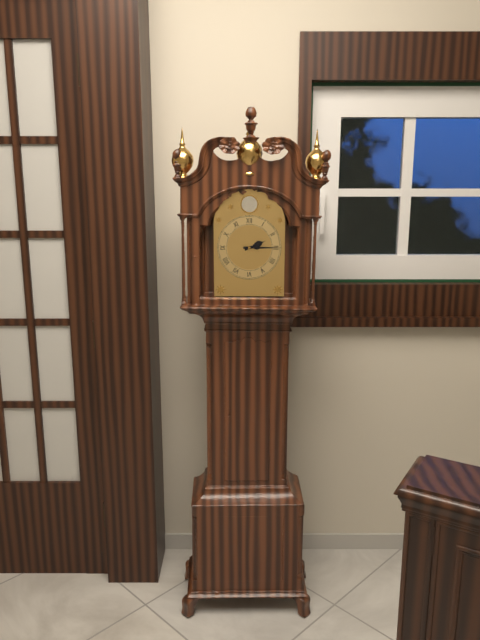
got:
2:15
